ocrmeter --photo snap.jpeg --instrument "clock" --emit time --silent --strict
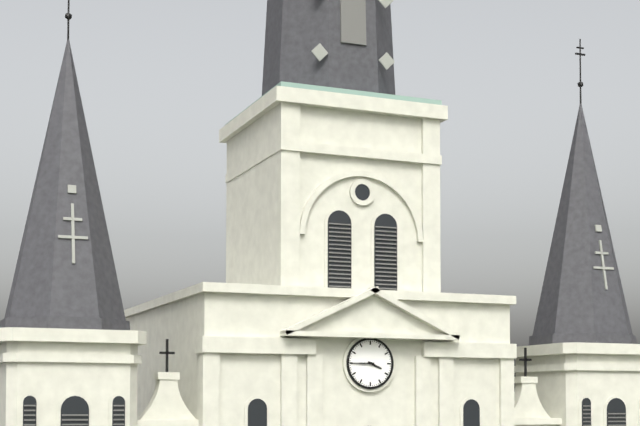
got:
3:45
